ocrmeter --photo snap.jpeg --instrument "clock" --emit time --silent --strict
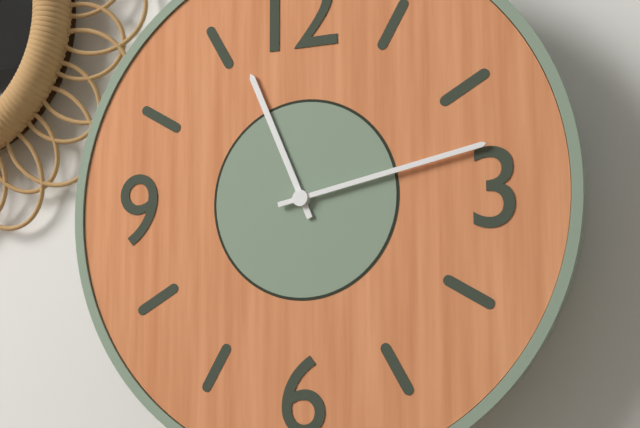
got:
11:13
